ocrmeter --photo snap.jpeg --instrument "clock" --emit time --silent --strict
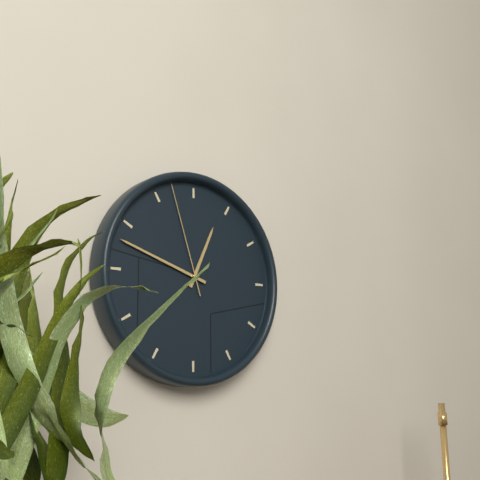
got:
12:48:57
